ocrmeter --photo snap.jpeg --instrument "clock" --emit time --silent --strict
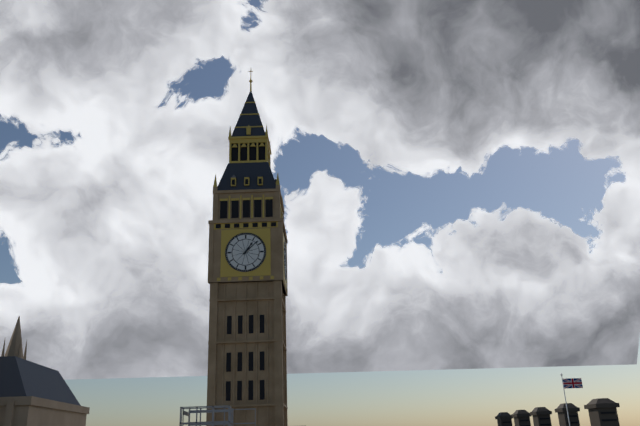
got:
1:08
